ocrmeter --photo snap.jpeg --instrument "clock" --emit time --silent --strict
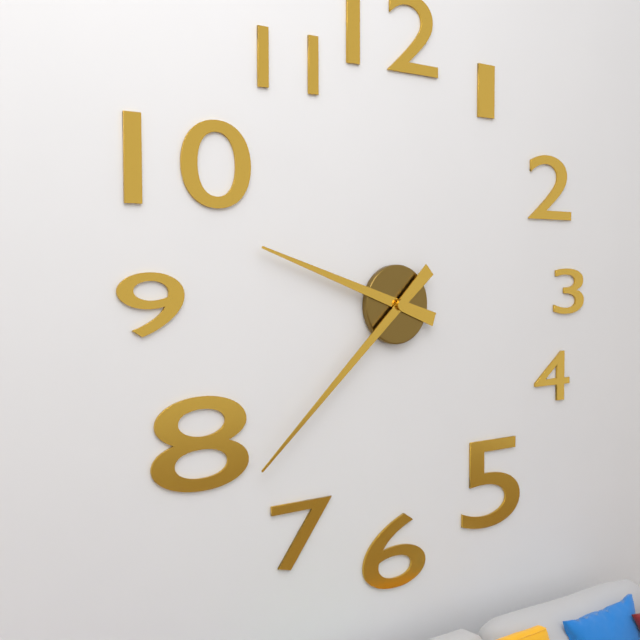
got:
9:38
